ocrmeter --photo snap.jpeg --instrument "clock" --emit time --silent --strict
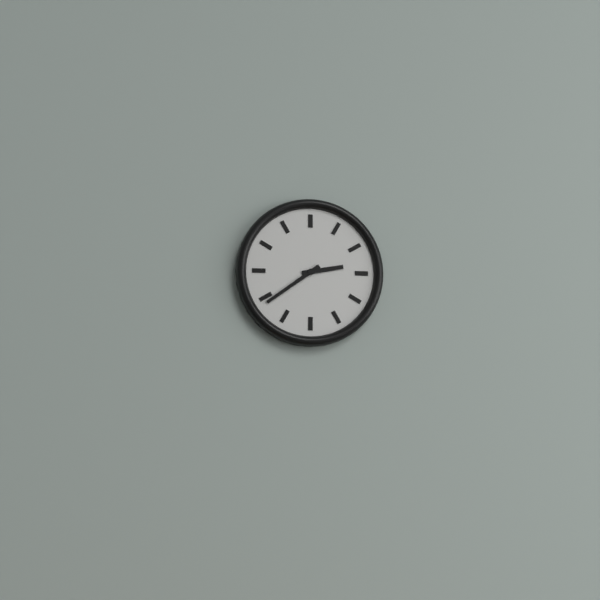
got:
2:39
